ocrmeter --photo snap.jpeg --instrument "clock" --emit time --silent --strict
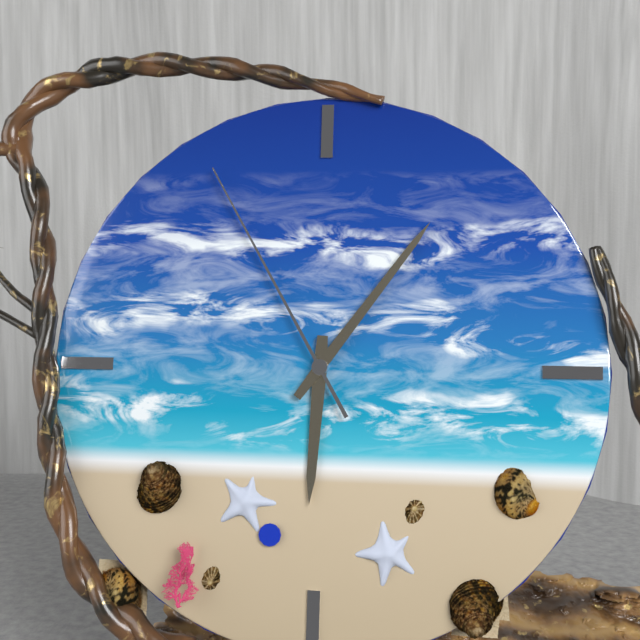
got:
6:06:55
